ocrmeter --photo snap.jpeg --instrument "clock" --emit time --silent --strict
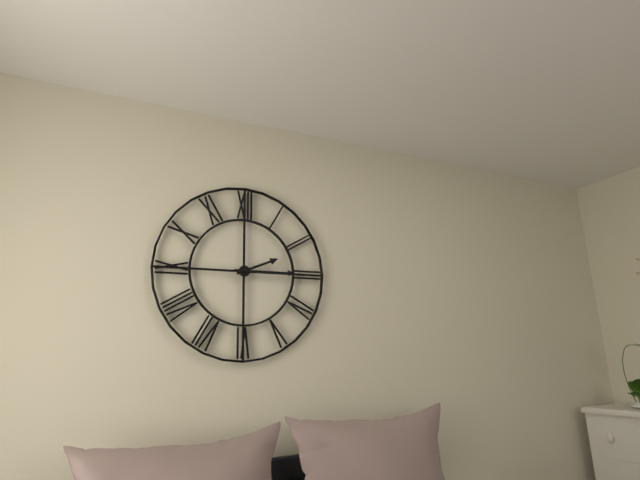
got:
2:15
